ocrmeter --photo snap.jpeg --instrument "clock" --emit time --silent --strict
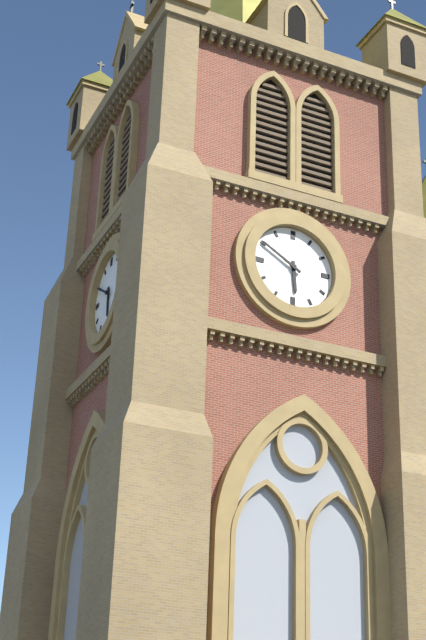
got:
5:50
